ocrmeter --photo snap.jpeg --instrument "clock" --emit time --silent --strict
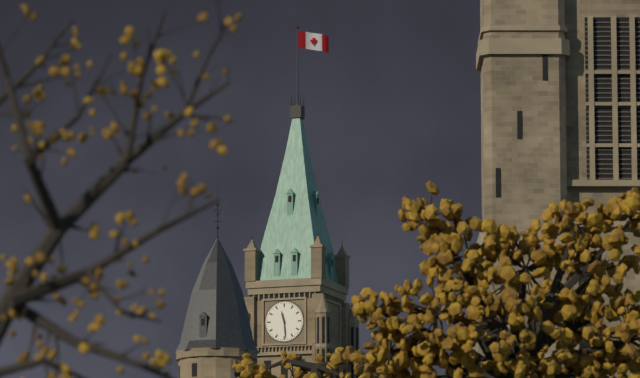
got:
11:29
